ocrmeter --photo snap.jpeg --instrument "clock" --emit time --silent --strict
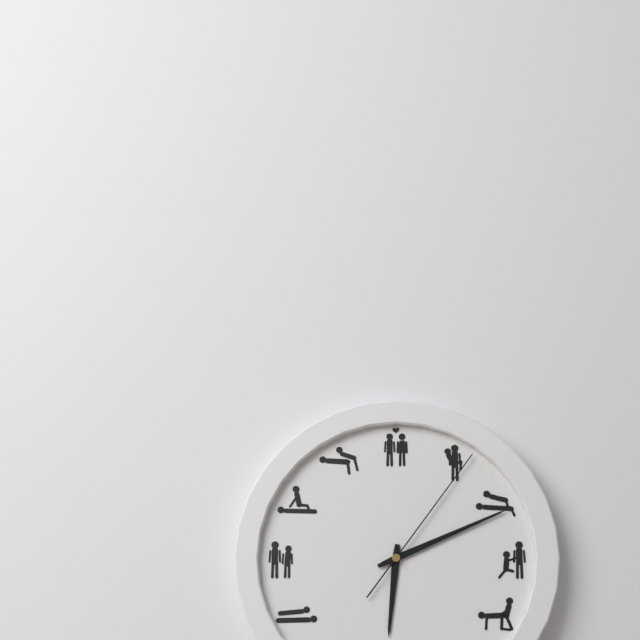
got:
6:11:06
